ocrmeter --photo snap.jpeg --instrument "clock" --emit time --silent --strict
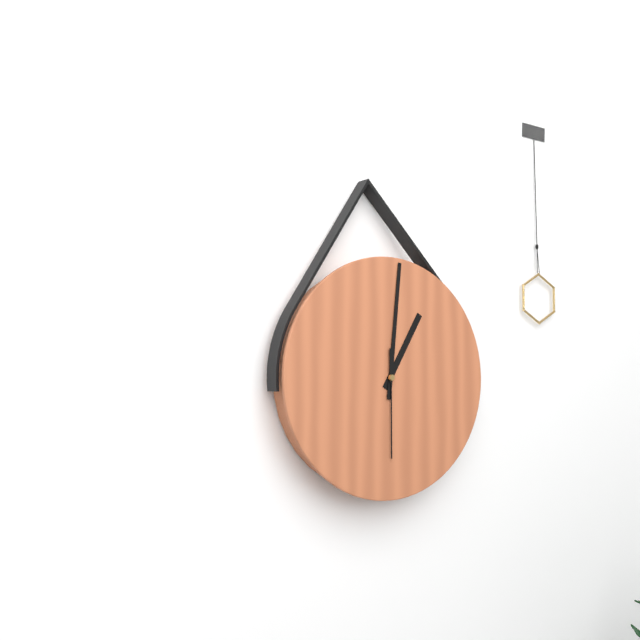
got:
1:01:30
